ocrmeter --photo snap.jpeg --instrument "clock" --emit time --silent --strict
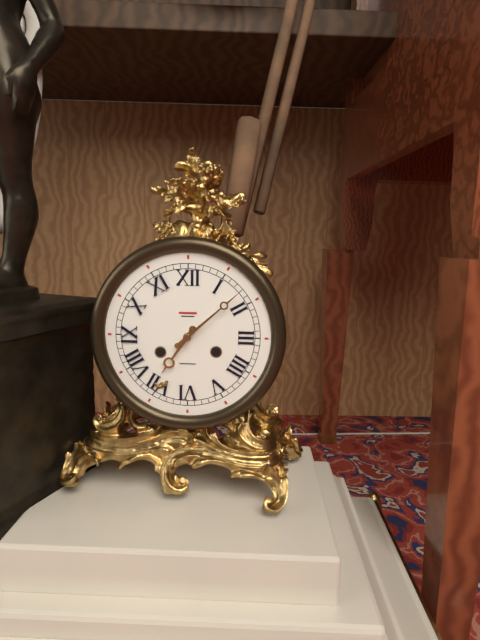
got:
7:08
